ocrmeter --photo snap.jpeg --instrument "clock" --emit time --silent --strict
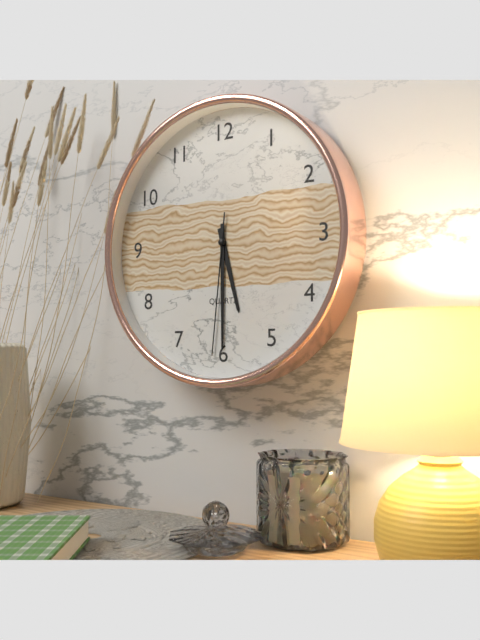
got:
5:30:31
